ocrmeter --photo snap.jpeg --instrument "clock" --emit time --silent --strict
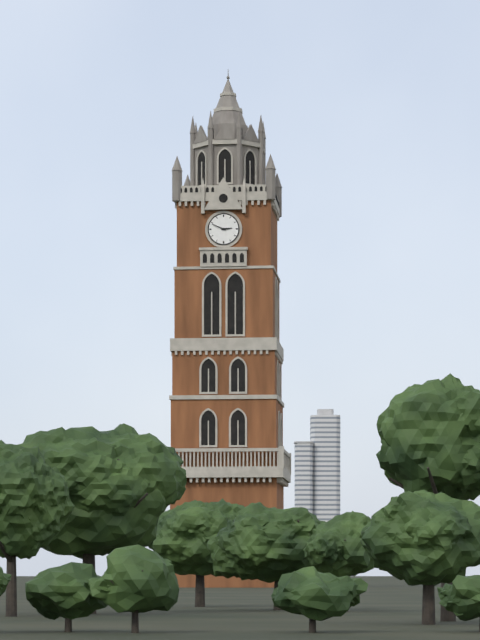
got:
2:49
